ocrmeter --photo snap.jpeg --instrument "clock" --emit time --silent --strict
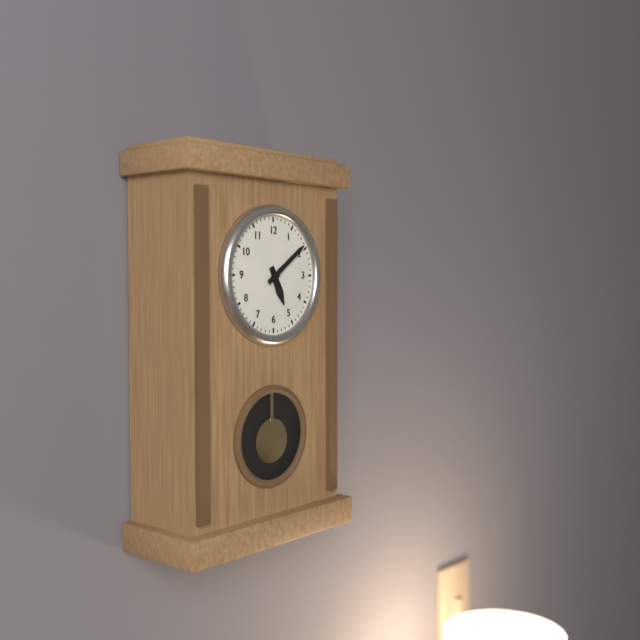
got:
5:09
